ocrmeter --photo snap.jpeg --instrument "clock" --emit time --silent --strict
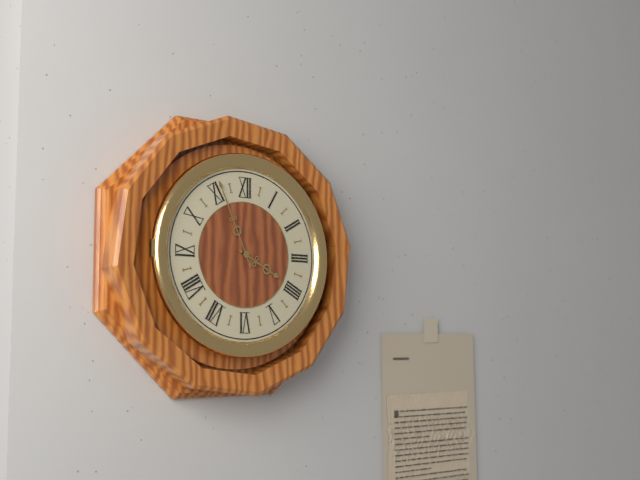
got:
3:56
